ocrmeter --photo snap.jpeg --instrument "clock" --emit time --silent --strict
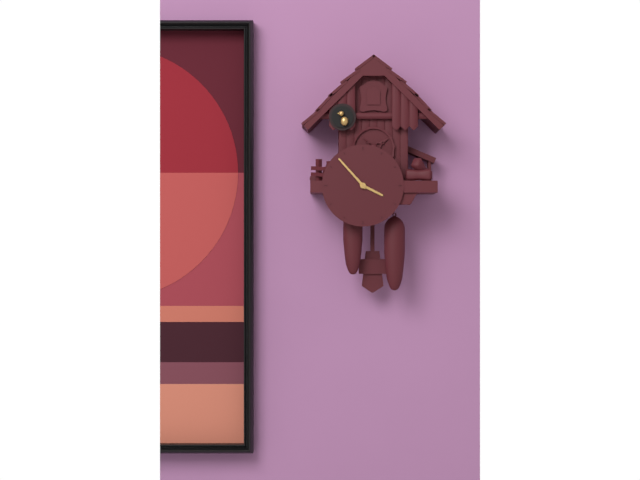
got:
3:53
